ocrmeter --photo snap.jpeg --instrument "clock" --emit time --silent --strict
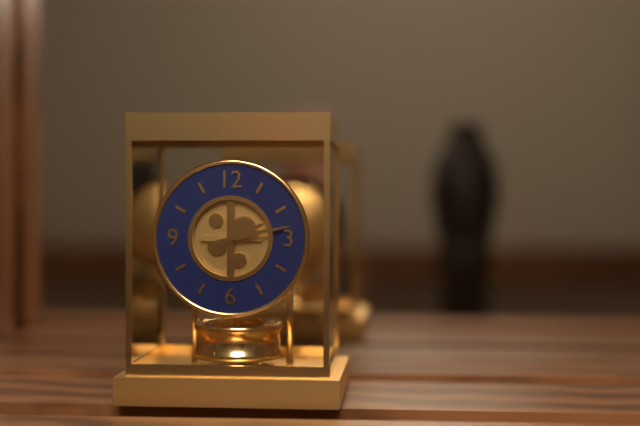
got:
2:13
